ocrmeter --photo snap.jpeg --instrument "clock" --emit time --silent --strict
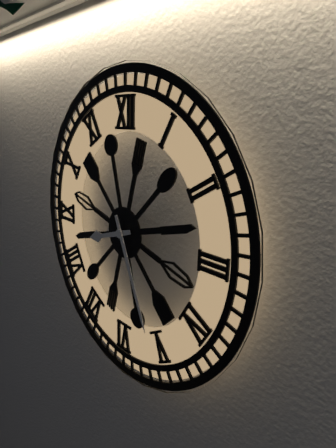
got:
8:26
